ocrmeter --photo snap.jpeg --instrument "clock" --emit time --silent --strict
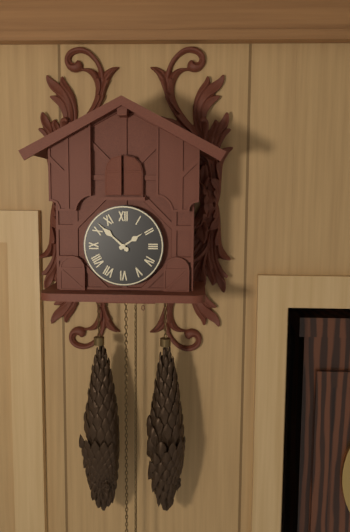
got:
1:52
